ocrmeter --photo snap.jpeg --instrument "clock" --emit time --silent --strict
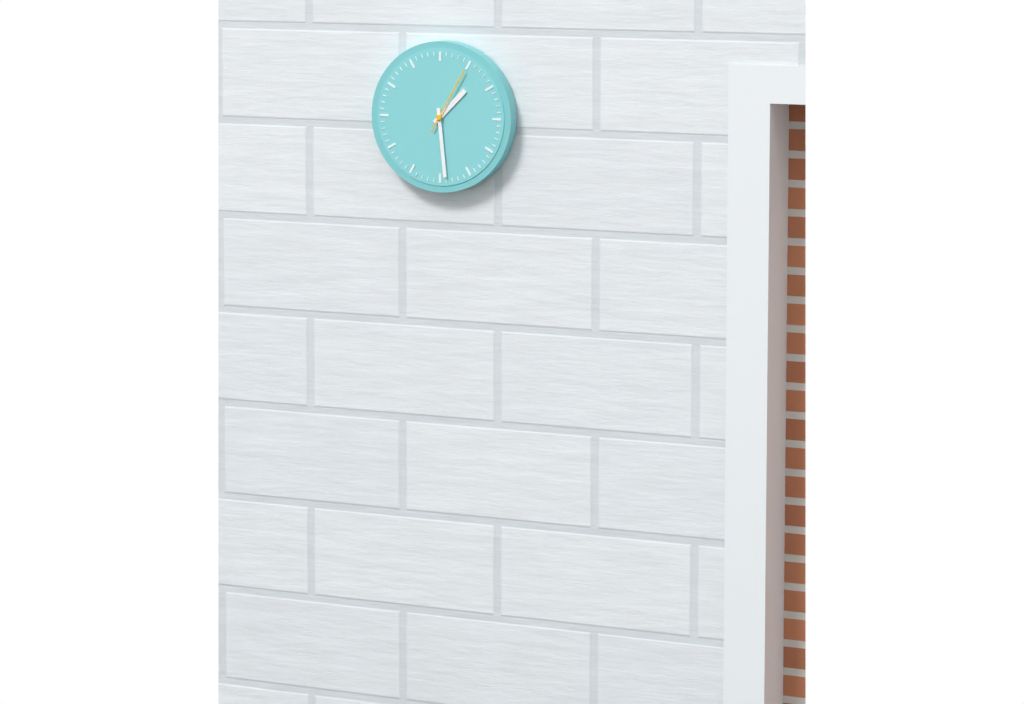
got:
1:29:05
